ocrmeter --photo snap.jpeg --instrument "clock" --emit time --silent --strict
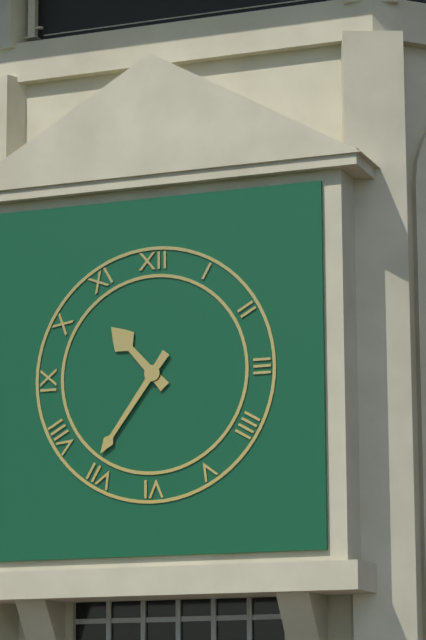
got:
10:36
